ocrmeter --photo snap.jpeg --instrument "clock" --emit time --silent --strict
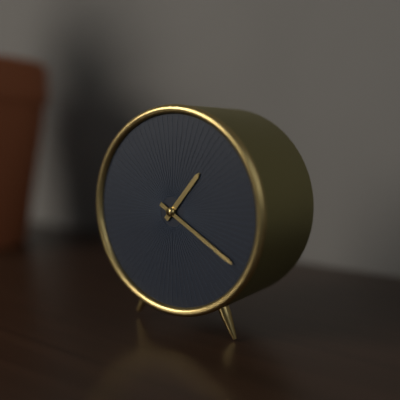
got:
1:20
